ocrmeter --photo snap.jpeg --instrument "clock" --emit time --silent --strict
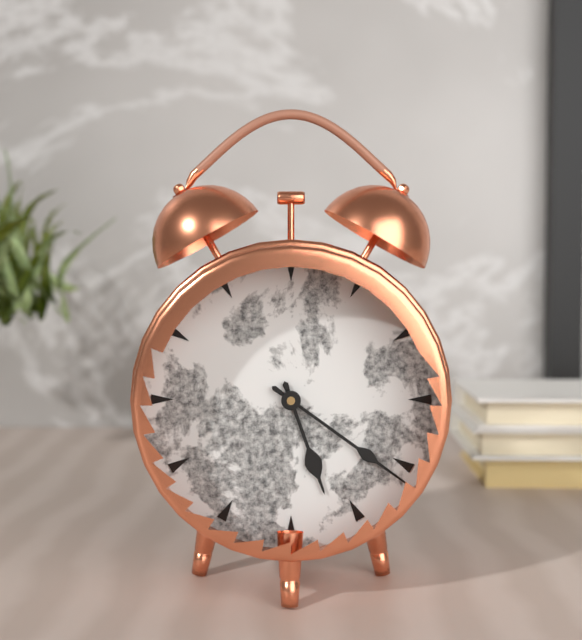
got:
5:21
